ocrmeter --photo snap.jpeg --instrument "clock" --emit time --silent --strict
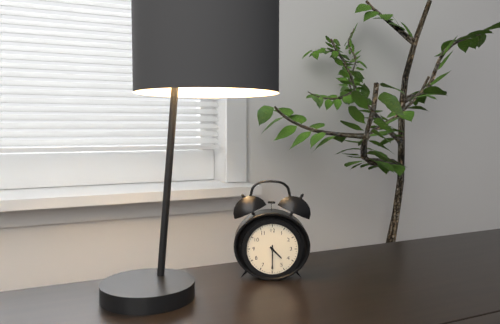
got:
4:30
